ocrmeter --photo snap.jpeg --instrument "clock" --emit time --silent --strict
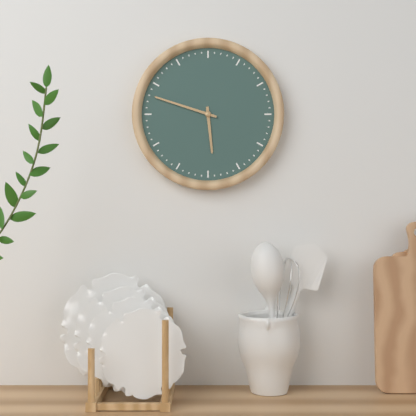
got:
5:48
